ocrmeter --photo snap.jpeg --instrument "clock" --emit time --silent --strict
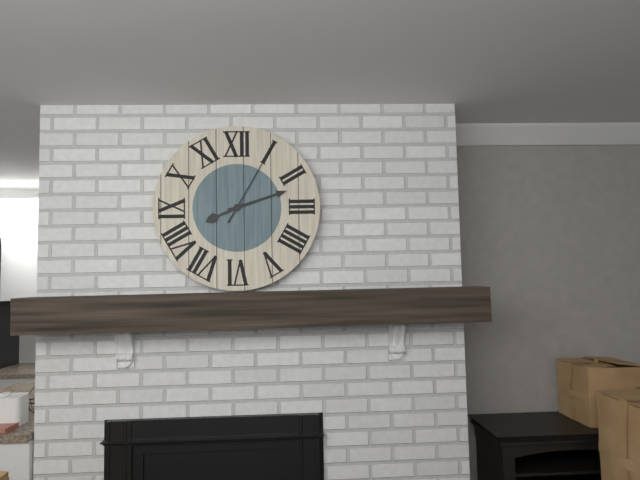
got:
8:12:05
